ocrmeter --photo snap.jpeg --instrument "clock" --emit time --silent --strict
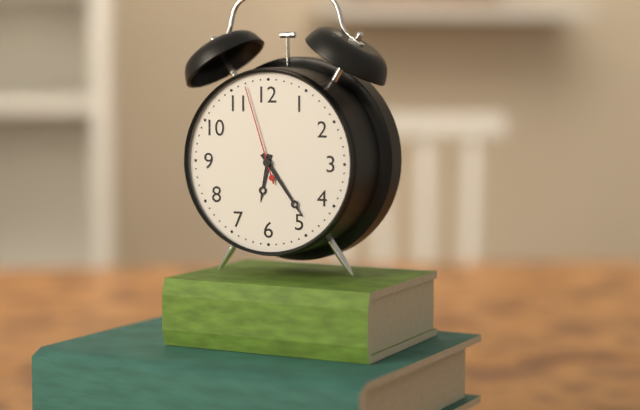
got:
6:24:57
